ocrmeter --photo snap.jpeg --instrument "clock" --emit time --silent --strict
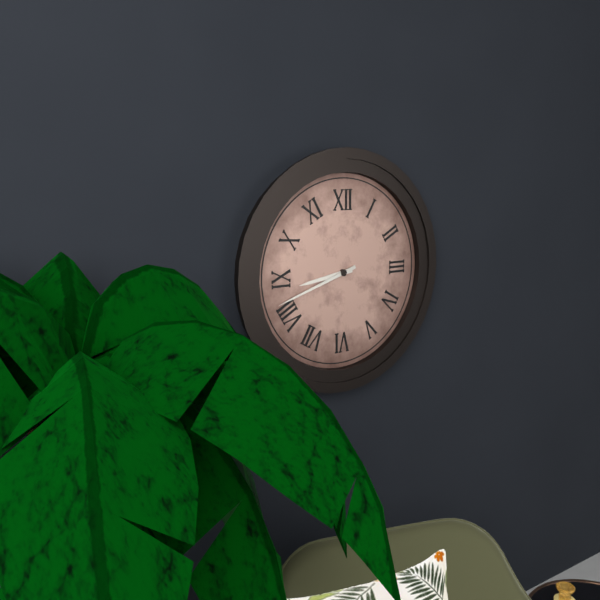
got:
8:42
